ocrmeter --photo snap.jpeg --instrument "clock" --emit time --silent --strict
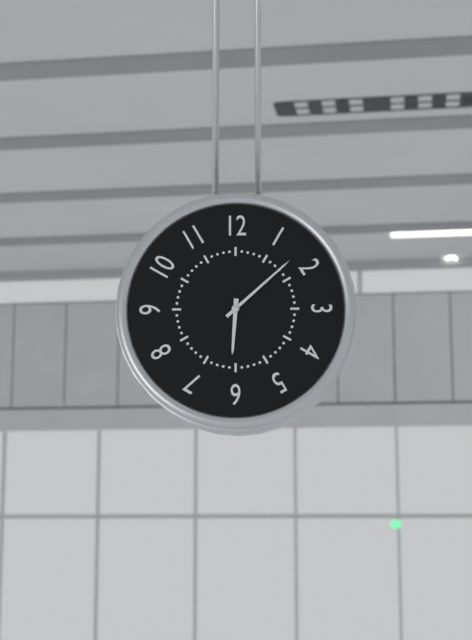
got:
6:08
